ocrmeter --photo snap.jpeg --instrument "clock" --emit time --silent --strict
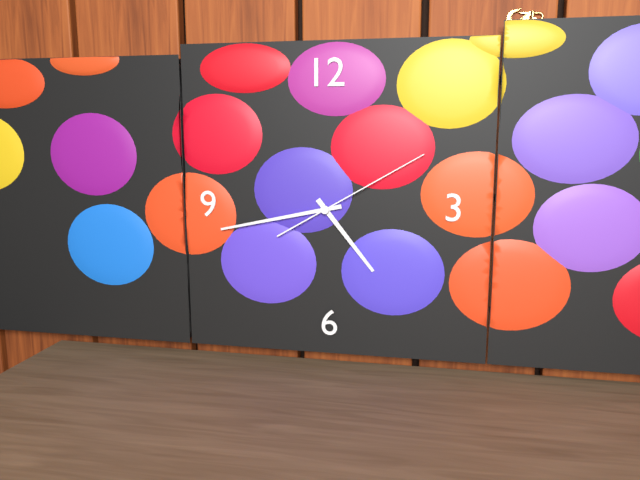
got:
4:43:10
